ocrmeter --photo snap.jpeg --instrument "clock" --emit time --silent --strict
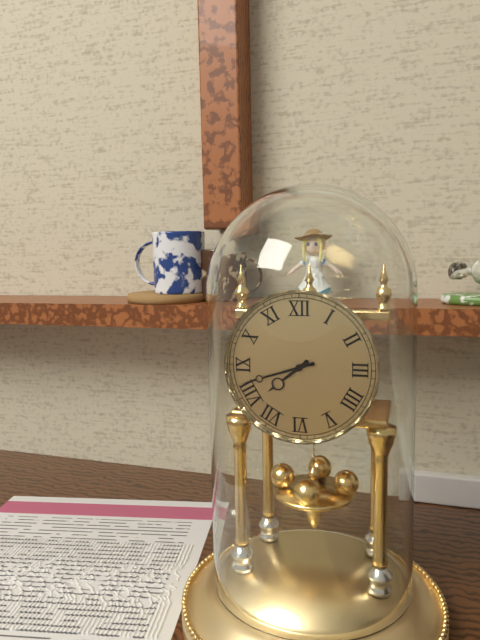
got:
7:42
